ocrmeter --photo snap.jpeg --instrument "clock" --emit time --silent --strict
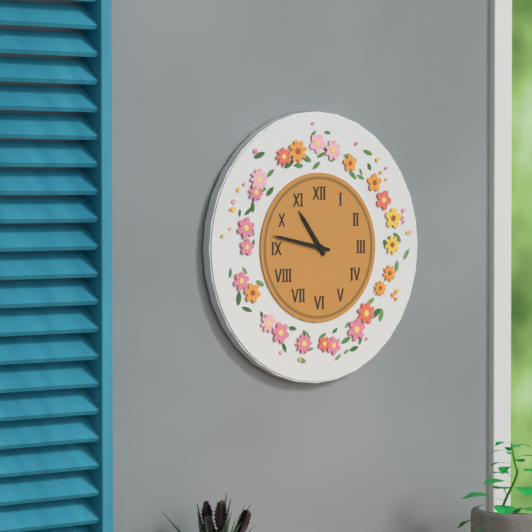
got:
10:47
